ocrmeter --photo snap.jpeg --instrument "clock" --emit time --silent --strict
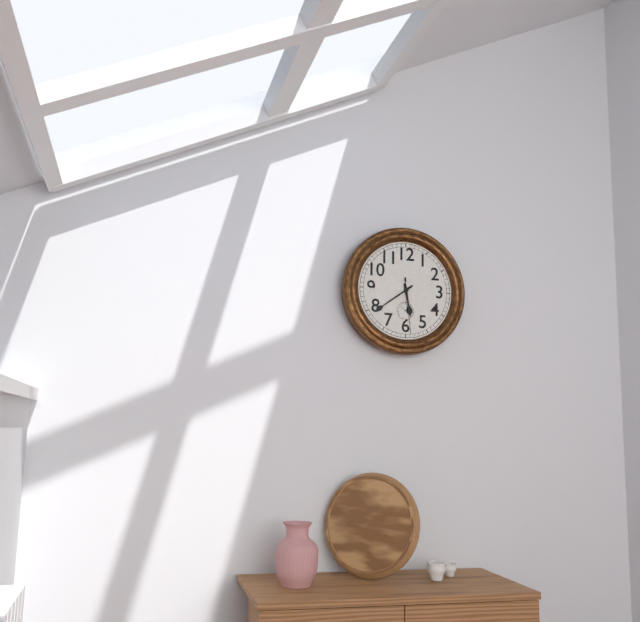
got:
5:39:29
